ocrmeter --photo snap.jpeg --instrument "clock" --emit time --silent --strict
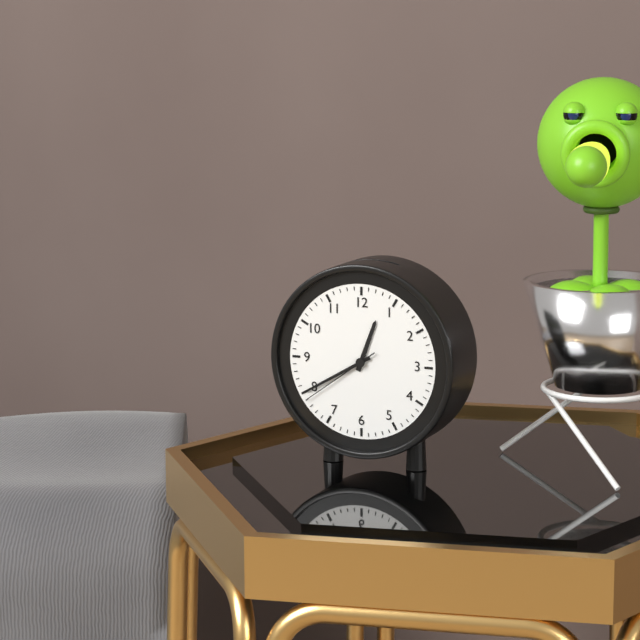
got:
12:40:39
